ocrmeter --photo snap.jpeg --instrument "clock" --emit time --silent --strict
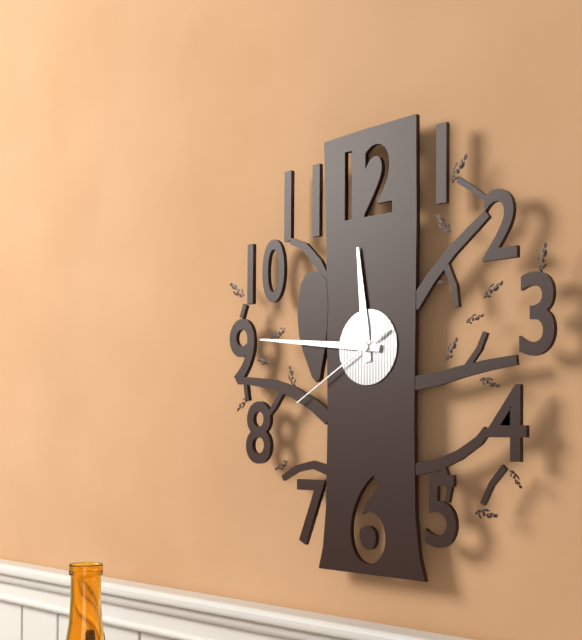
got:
11:46:40
